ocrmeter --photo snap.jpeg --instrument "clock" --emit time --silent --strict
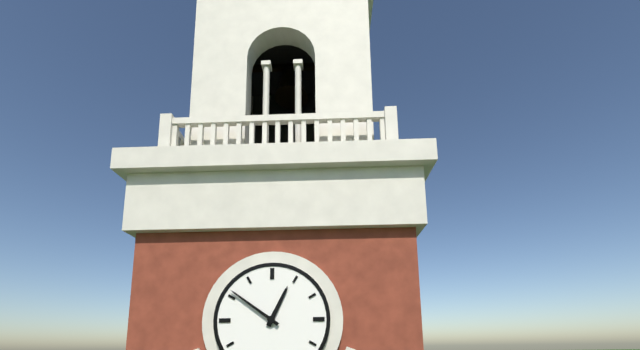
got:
12:51
